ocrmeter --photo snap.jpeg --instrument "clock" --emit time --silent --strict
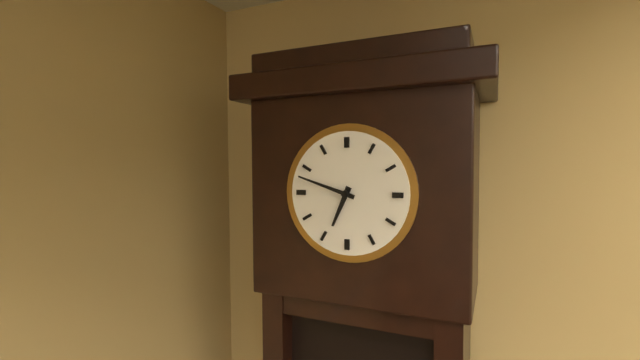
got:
6:48
